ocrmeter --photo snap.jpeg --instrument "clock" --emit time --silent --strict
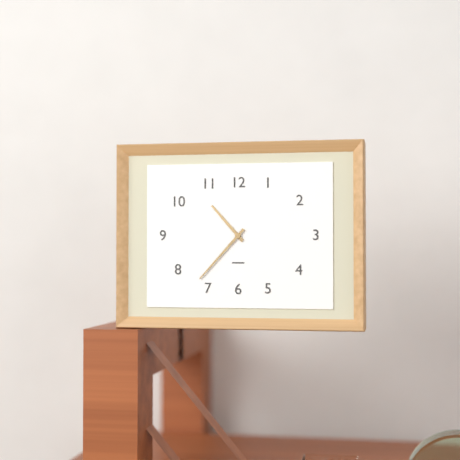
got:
10:37
